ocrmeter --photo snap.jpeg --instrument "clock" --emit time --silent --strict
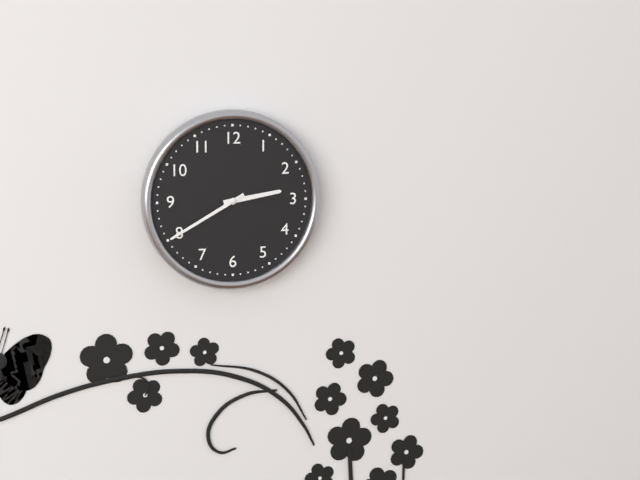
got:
2:40
